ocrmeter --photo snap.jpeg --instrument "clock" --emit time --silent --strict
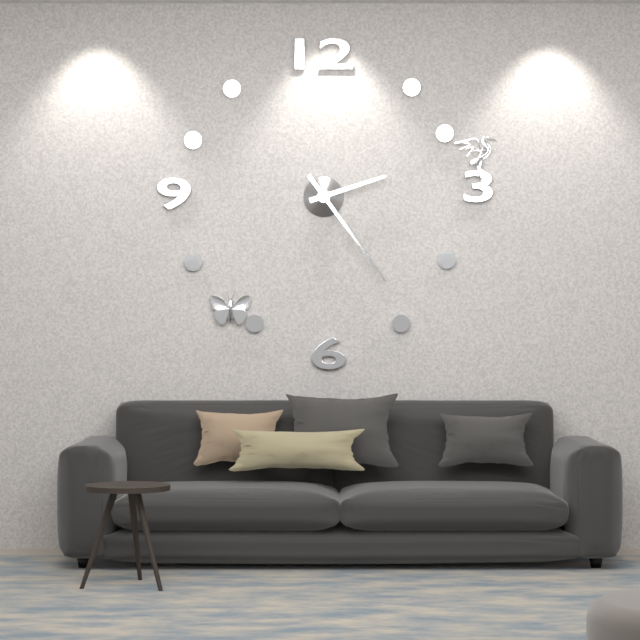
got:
2:24
